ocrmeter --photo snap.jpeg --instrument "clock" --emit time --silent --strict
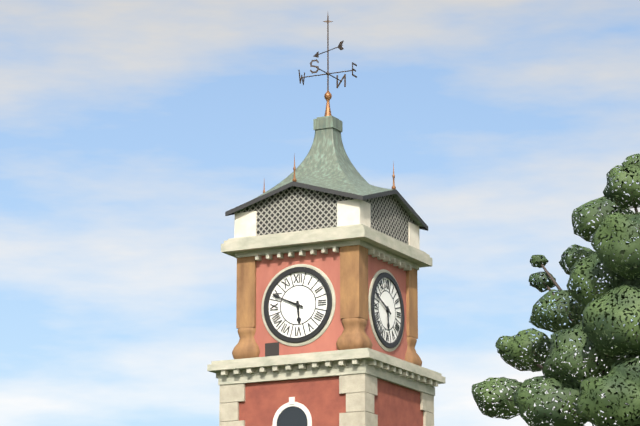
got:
5:49
